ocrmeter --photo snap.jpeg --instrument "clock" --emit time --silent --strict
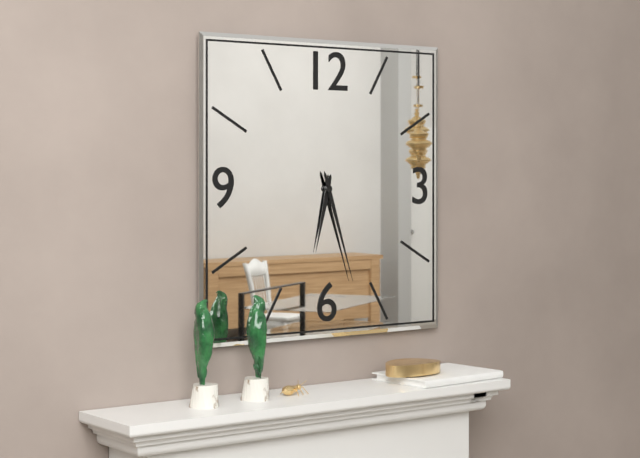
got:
6:27
